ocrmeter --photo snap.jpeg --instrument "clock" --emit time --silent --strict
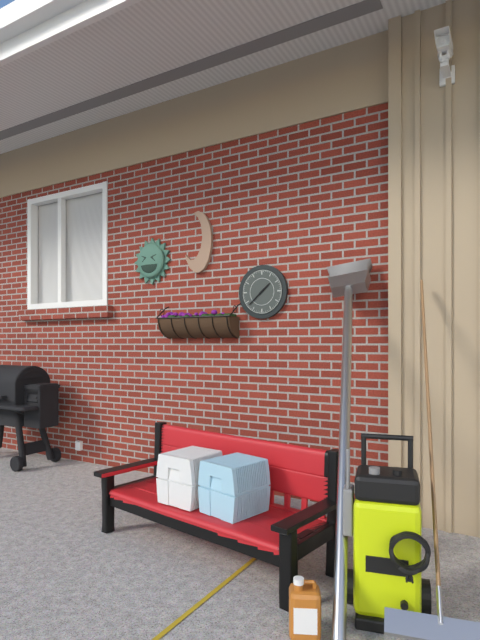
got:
1:38
